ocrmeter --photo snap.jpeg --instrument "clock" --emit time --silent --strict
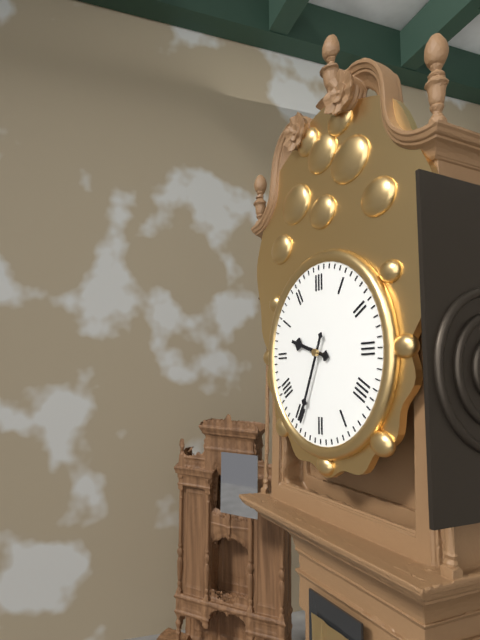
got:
9:34
